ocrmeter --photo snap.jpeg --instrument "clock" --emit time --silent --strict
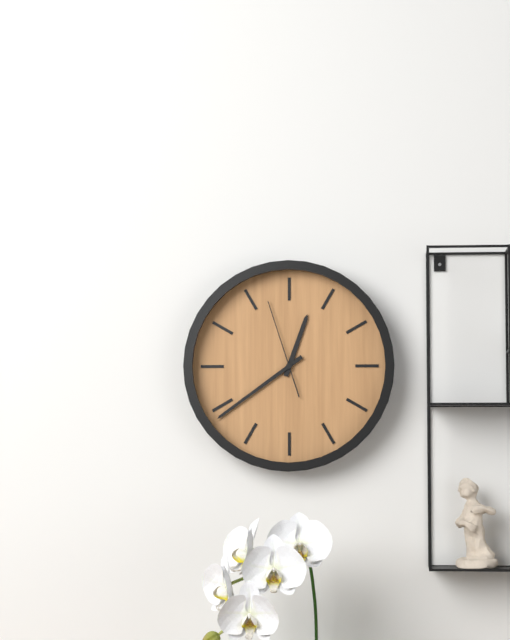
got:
12:39:57
